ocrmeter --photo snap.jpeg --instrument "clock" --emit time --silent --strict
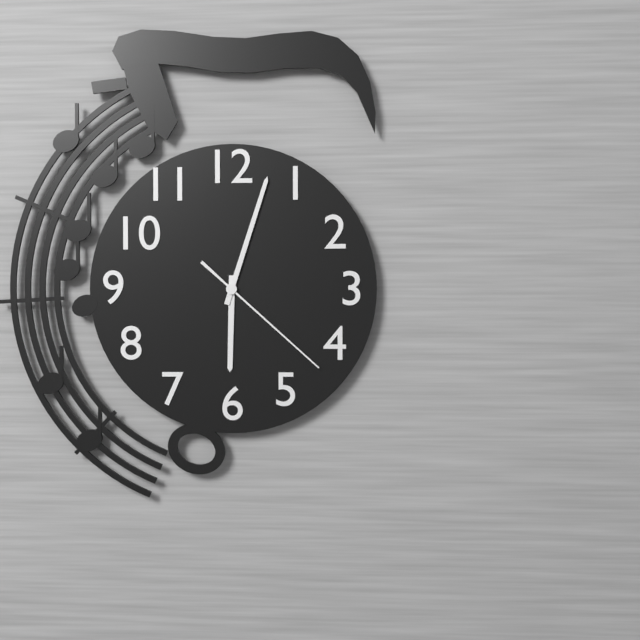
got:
6:03:22
